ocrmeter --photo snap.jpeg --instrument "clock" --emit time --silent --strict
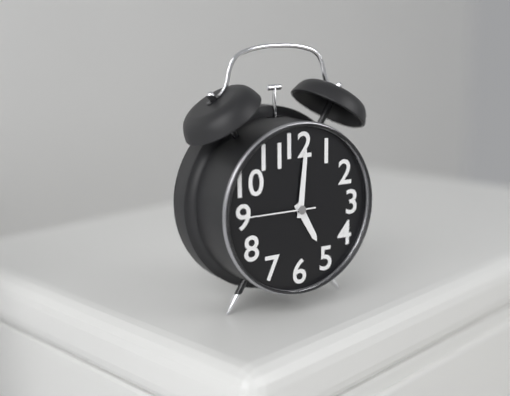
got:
5:01:45
